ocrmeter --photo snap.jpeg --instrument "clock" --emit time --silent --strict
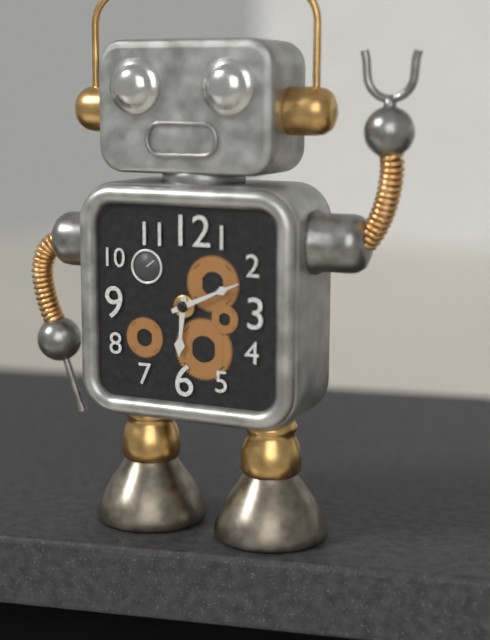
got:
6:11
